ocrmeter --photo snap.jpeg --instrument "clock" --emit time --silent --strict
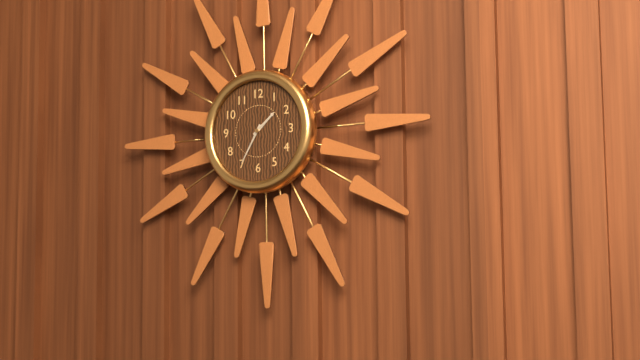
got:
1:35
